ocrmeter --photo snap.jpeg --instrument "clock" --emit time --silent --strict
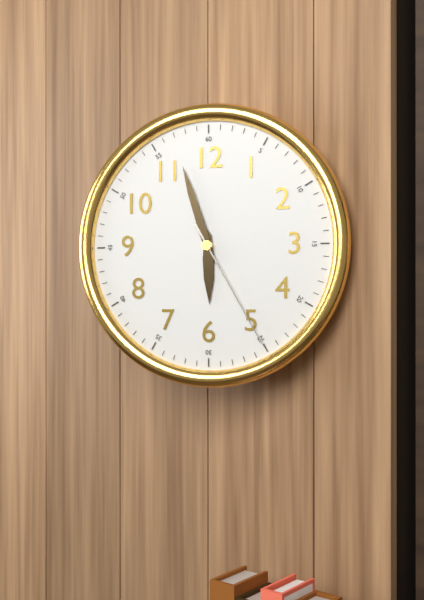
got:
5:57:25
